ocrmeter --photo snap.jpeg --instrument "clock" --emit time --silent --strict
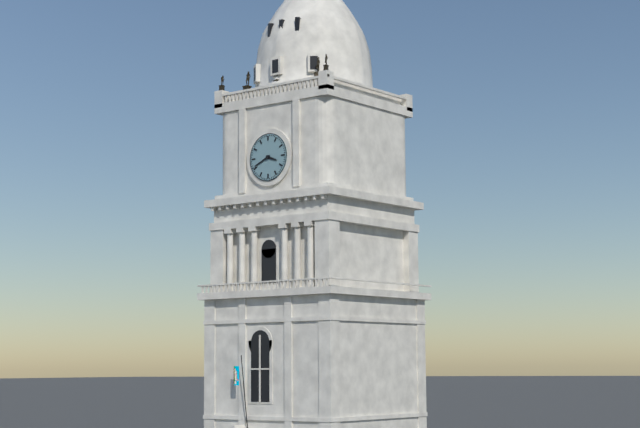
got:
3:41
